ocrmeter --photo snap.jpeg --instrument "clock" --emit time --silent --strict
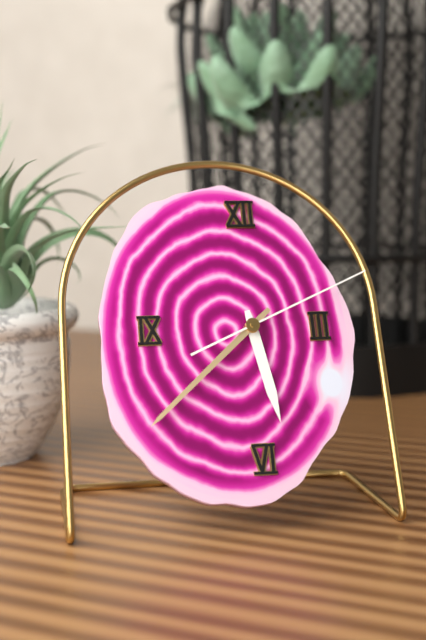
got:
5:38:11
